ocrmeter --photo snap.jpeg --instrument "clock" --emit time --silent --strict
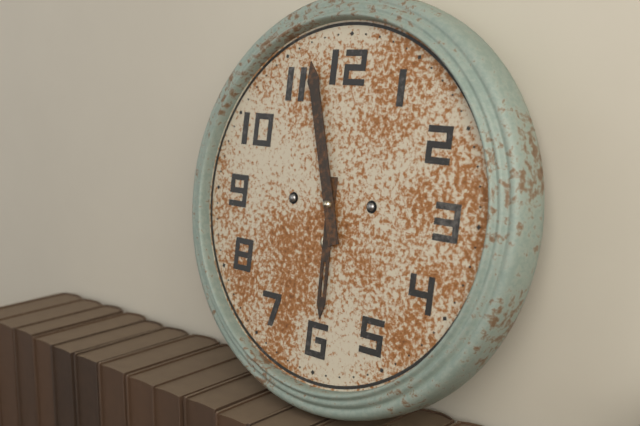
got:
5:57
